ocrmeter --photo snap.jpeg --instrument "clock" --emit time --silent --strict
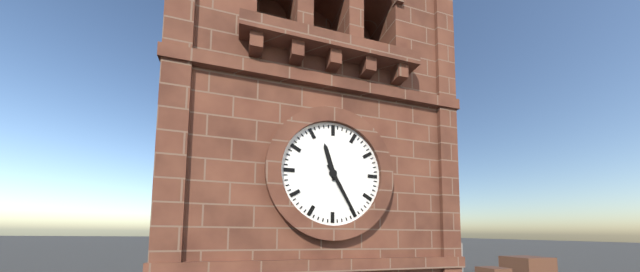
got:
11:25
